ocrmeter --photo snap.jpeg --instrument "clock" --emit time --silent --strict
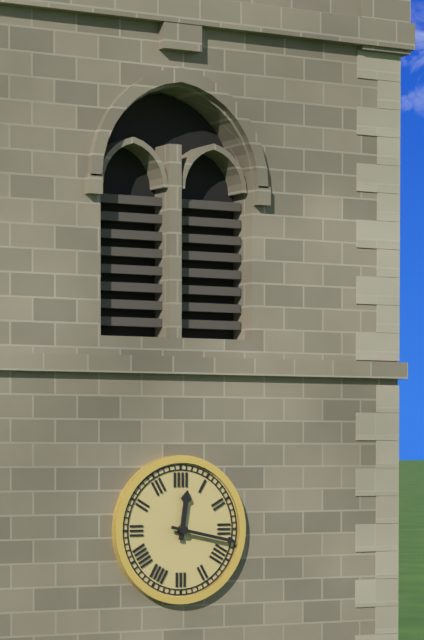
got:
12:17
